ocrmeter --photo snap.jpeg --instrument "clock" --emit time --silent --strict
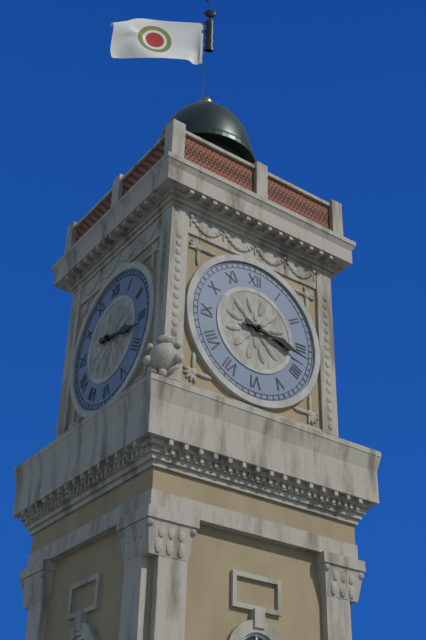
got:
3:17
